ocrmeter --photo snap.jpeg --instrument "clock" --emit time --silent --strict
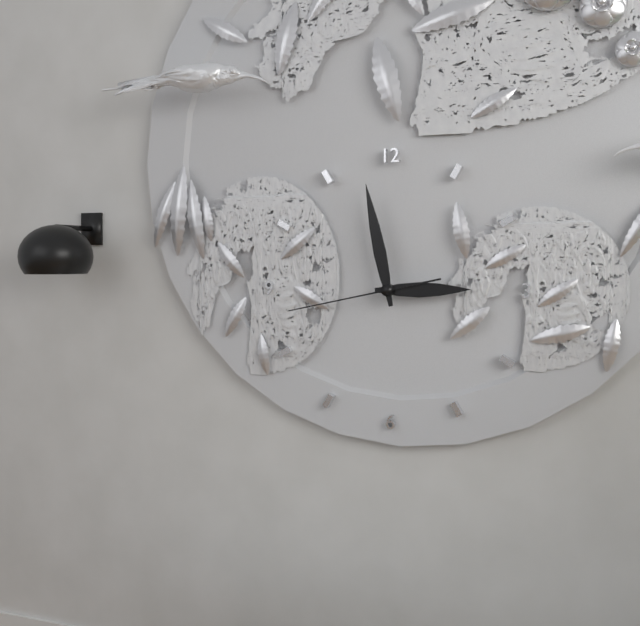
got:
2:58:43
